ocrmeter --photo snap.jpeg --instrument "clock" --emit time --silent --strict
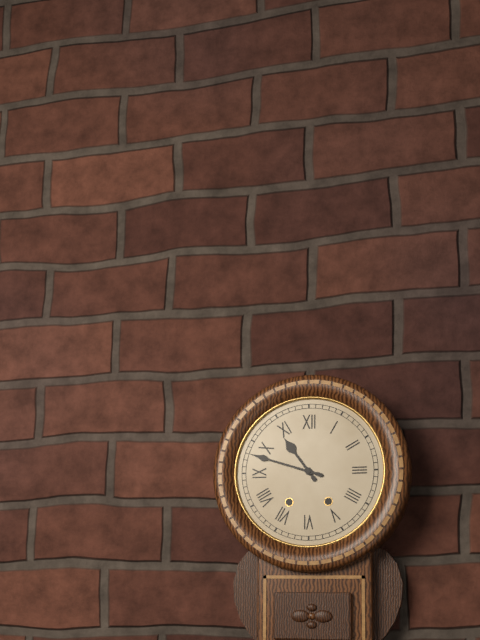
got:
10:48
